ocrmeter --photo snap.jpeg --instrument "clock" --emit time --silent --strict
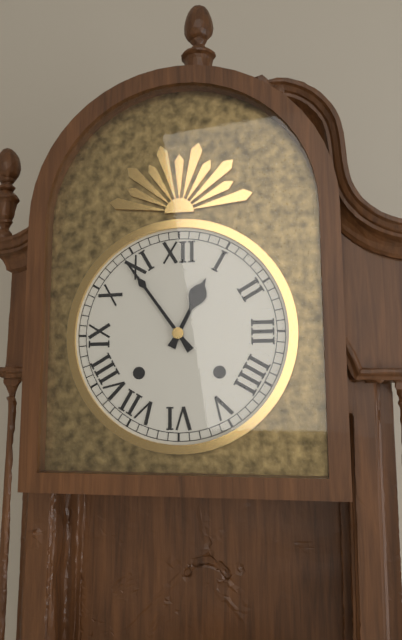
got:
12:54
